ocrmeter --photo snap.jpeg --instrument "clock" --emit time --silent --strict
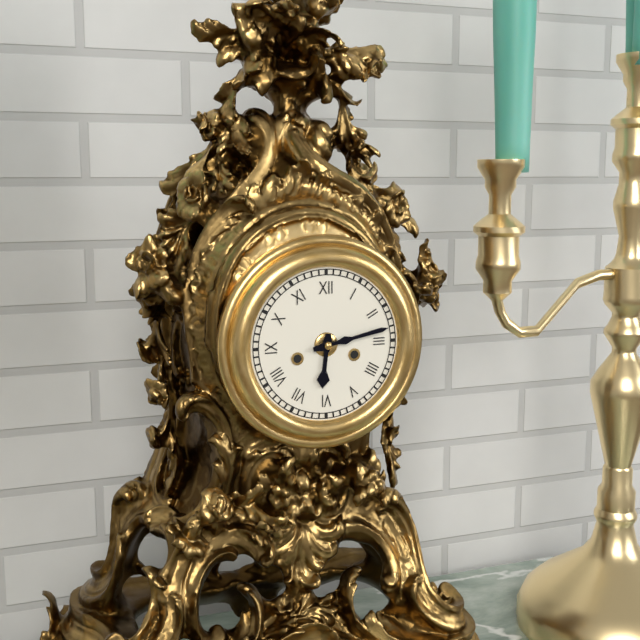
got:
6:13
